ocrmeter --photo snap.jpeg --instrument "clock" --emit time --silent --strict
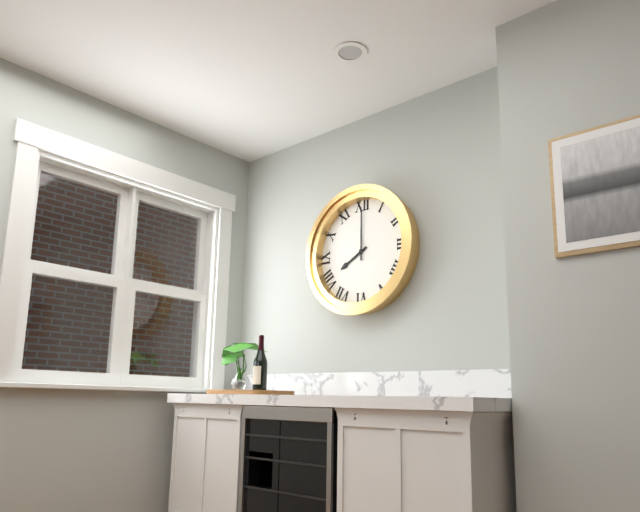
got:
8:00
